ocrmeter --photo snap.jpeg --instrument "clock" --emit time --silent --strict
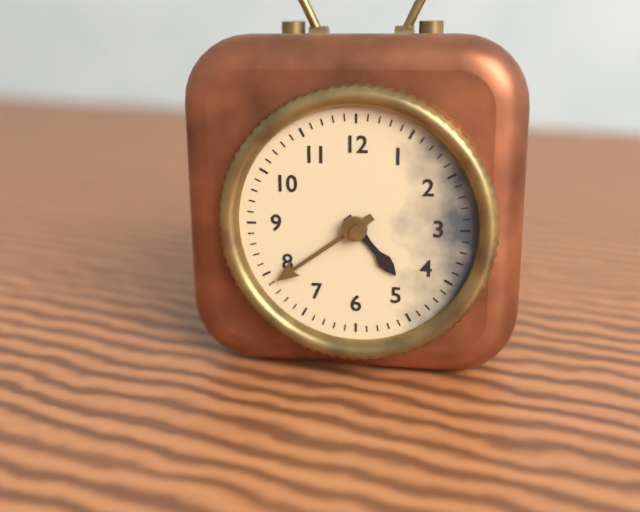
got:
4:39
